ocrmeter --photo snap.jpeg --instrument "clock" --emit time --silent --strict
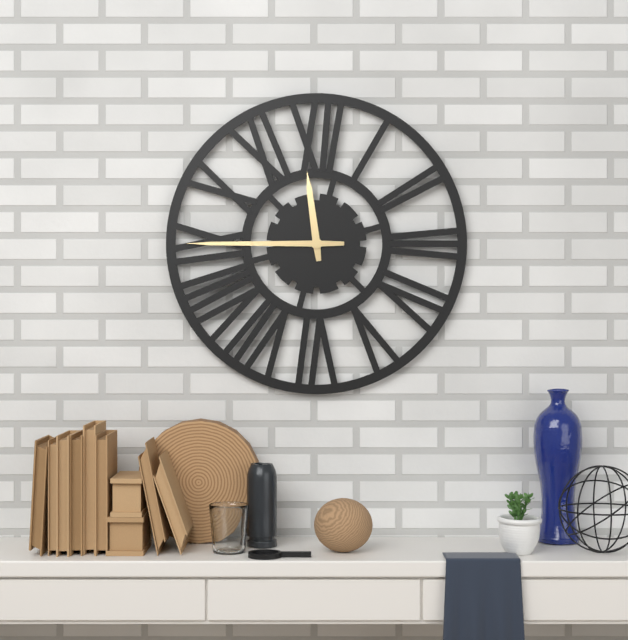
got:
11:45
